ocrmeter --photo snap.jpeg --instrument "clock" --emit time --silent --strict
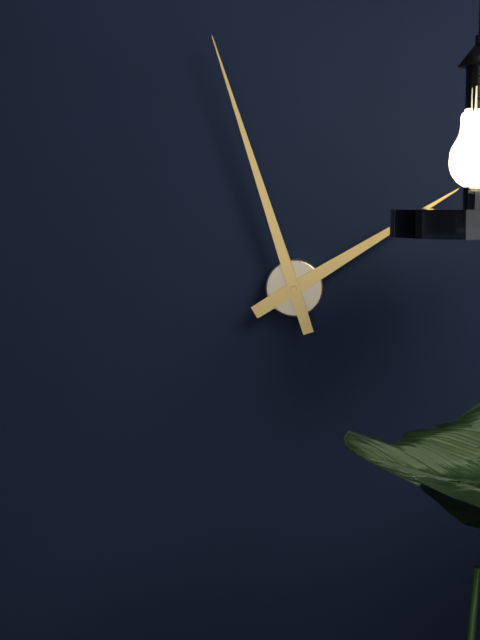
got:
1:57
